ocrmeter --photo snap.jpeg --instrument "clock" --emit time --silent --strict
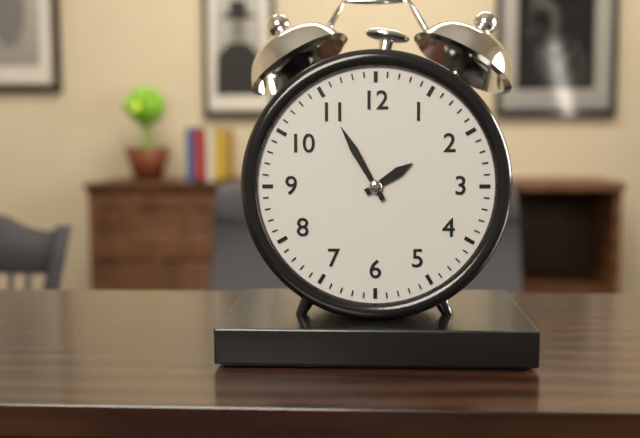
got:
1:55
